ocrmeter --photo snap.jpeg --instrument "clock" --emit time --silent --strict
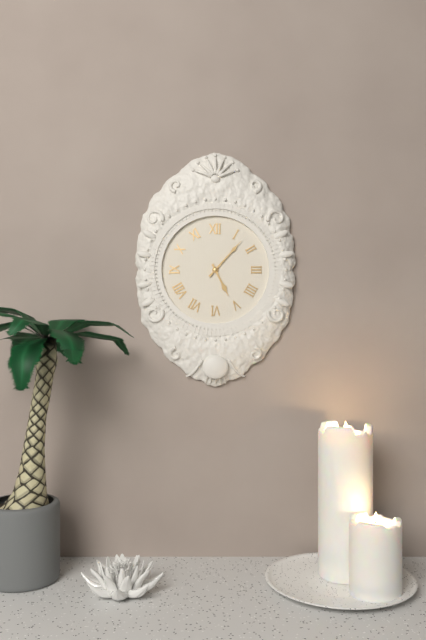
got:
5:07
